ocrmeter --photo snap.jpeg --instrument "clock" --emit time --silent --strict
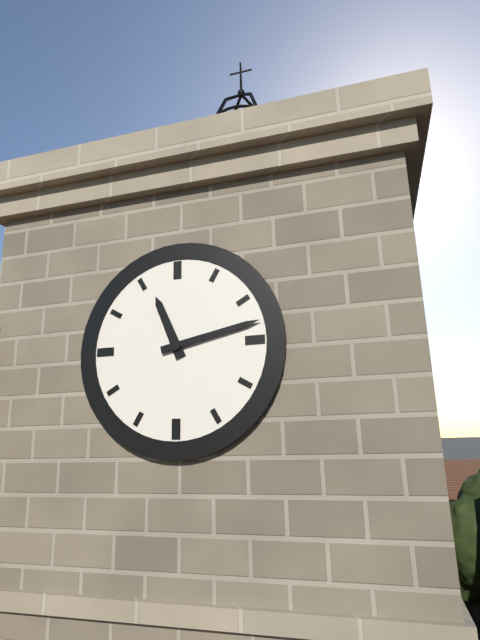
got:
11:13
